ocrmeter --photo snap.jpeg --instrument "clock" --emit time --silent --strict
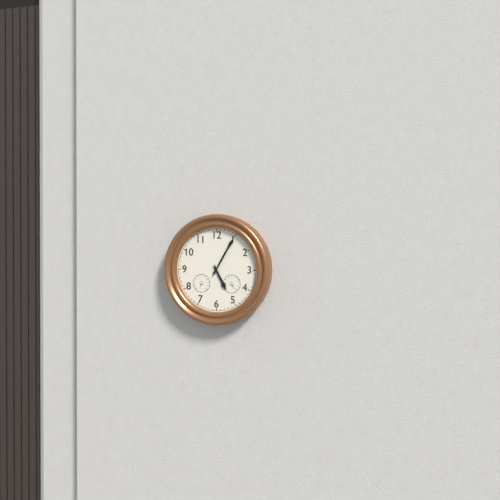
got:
5:05
